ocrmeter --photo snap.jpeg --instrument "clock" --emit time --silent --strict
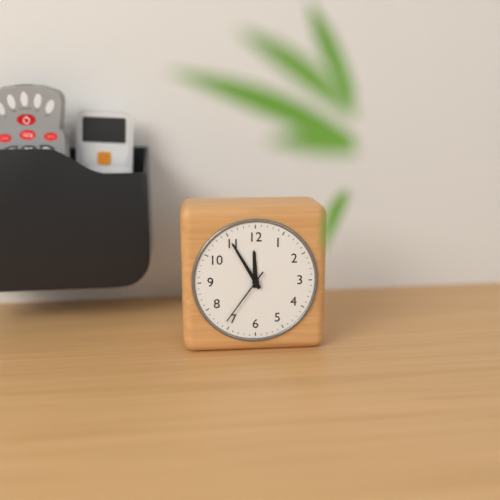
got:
11:55:36
